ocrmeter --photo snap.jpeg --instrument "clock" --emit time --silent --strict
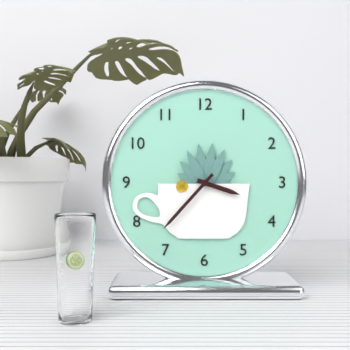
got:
3:37
